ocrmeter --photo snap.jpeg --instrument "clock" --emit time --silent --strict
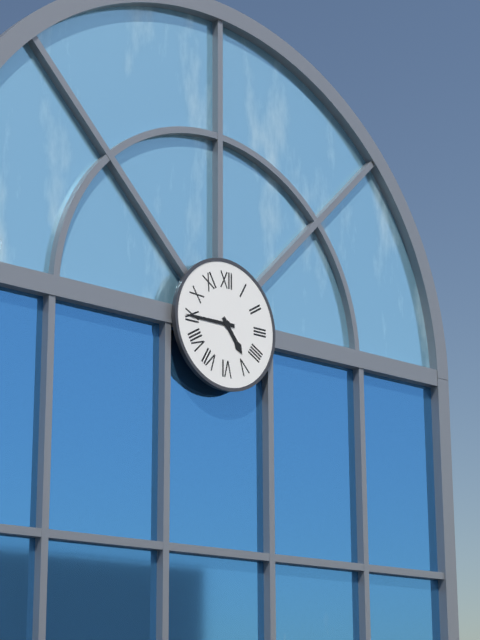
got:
4:45
